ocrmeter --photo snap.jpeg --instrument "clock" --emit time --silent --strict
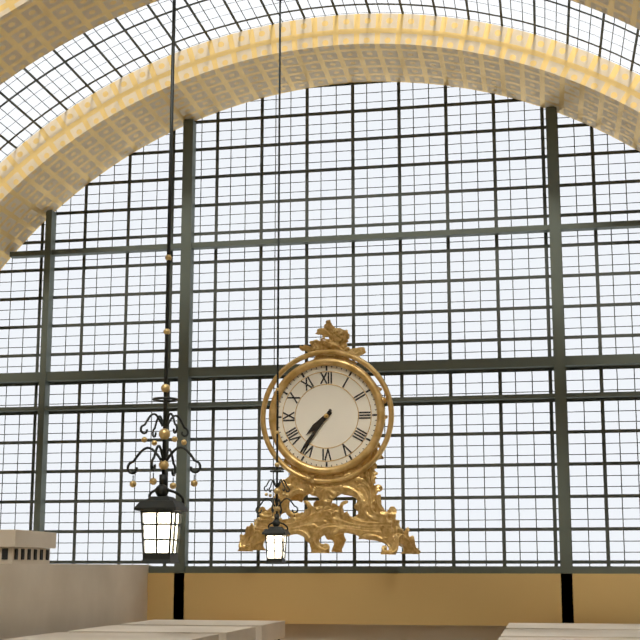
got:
7:36
